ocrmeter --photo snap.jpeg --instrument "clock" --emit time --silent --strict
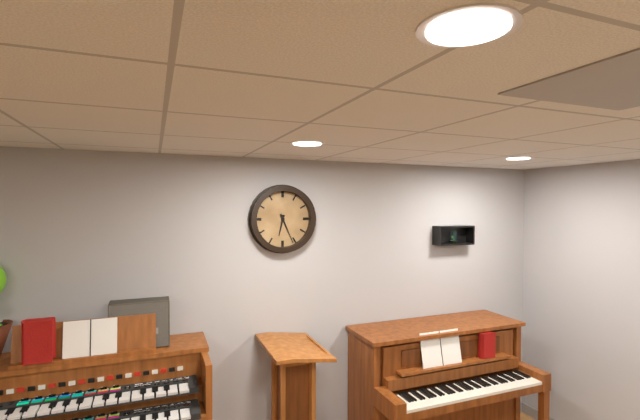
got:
6:26
